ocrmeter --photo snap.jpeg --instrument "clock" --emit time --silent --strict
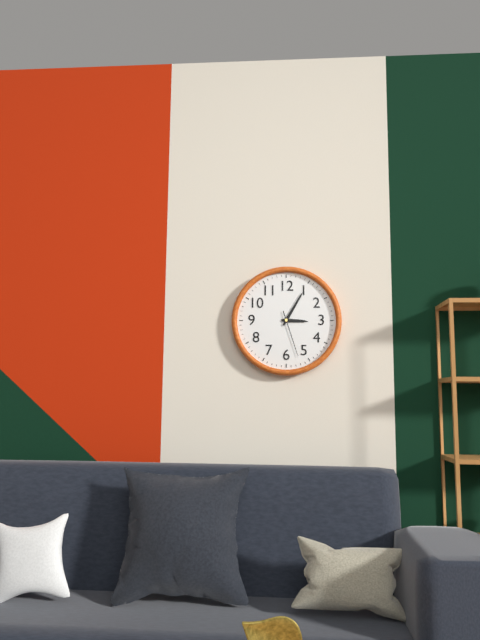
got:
3:05
